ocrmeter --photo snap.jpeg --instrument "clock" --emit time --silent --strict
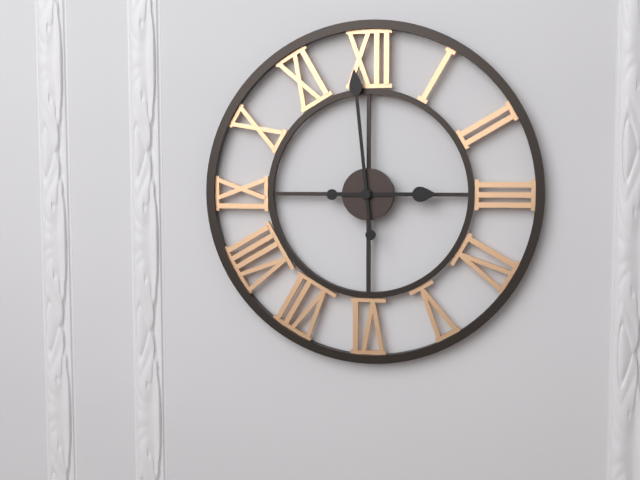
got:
2:59
